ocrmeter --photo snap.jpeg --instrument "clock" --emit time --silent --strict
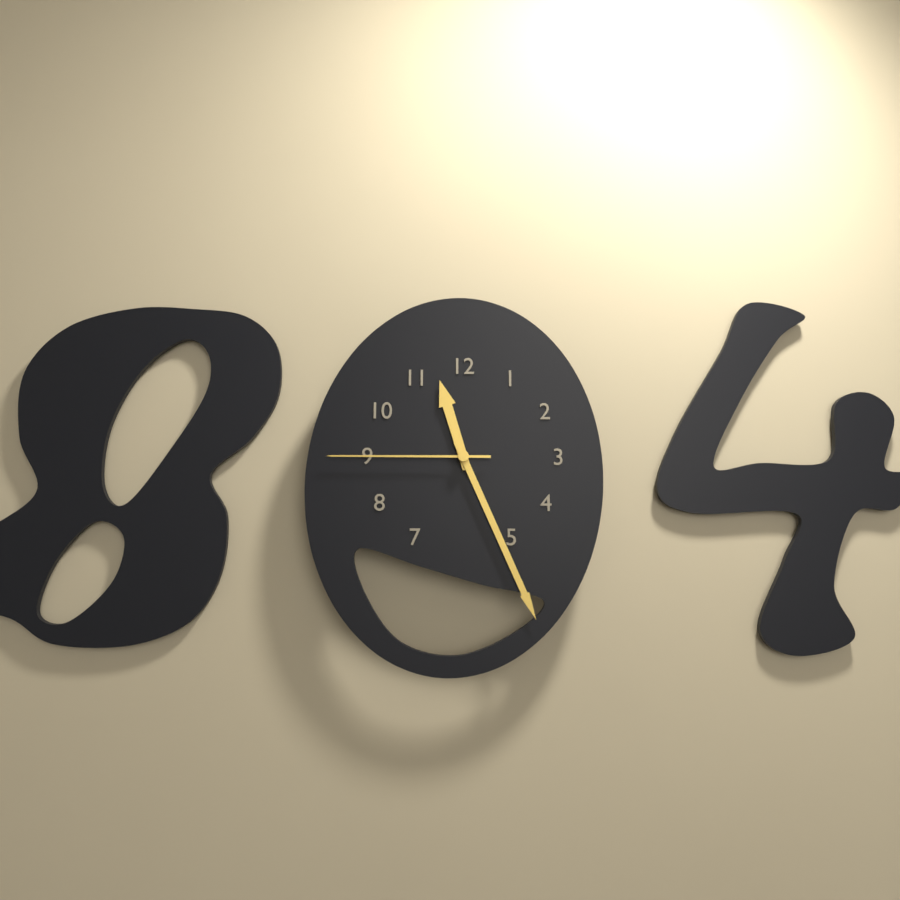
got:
11:26:45
